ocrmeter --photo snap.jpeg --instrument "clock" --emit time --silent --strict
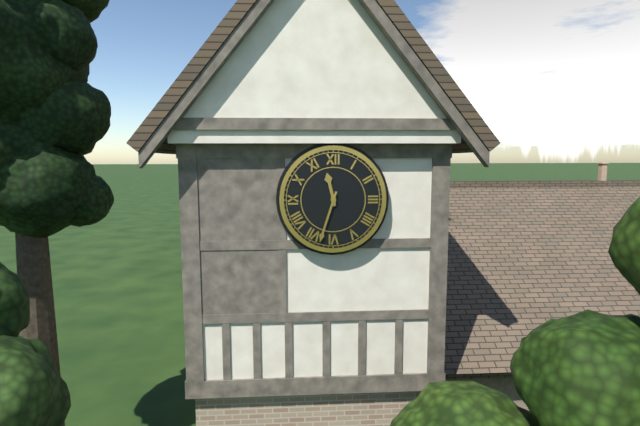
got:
11:33
